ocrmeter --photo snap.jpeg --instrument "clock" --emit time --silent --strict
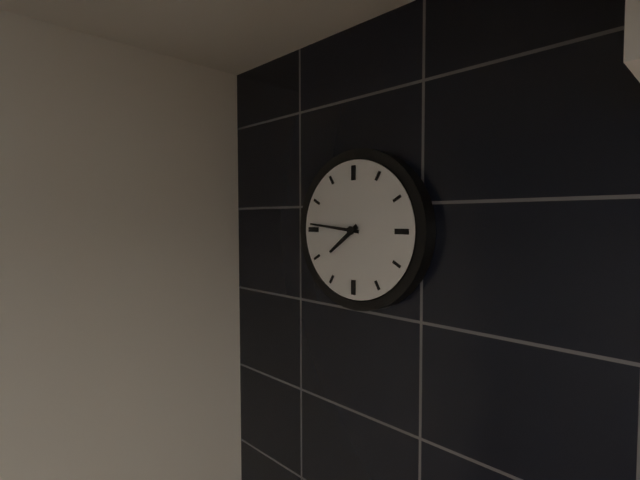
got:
7:46
